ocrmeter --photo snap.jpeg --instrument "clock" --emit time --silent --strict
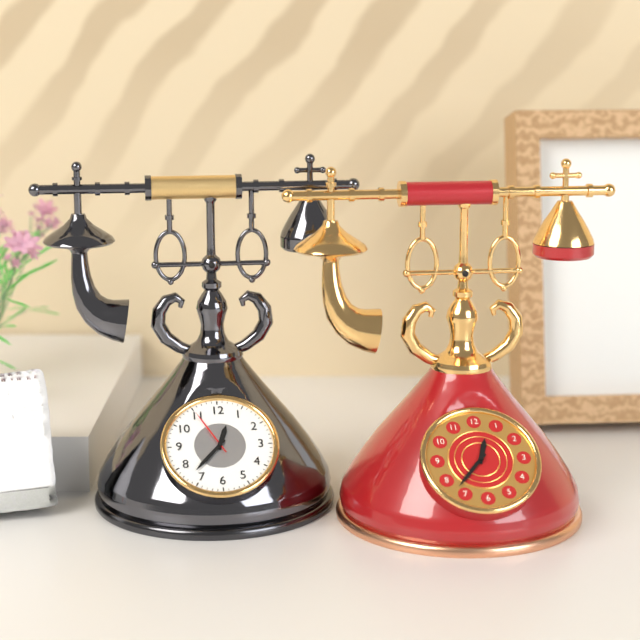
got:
12:37:55
